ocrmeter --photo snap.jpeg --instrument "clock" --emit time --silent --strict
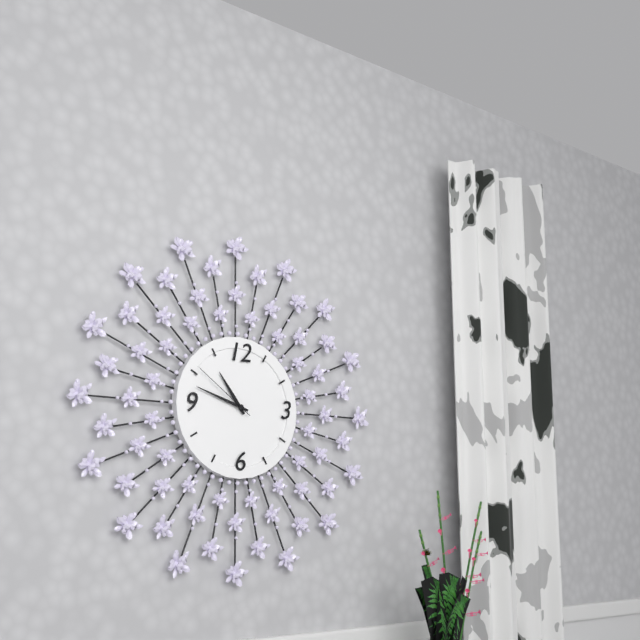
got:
10:48:51
